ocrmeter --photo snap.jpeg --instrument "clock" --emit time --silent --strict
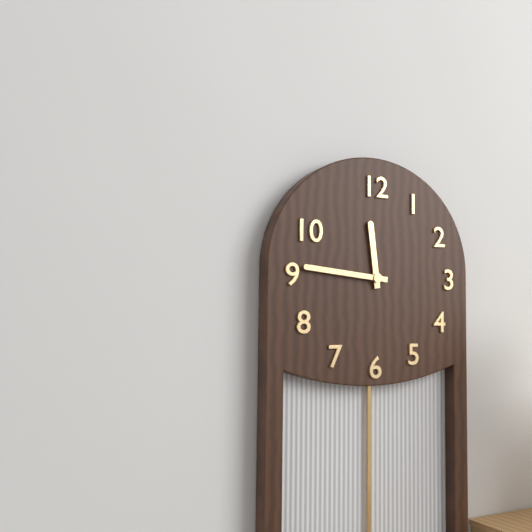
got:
11:46
